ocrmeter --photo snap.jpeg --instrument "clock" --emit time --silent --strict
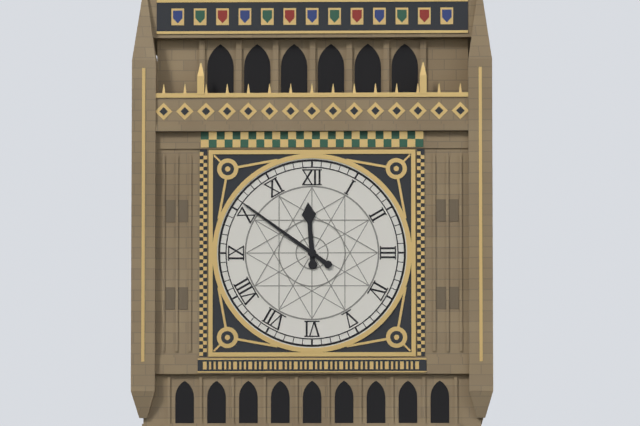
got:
11:51
